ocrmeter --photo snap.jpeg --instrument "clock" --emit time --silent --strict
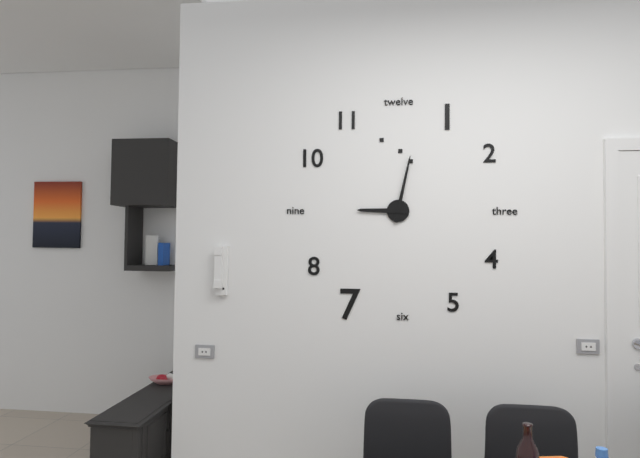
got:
9:02
